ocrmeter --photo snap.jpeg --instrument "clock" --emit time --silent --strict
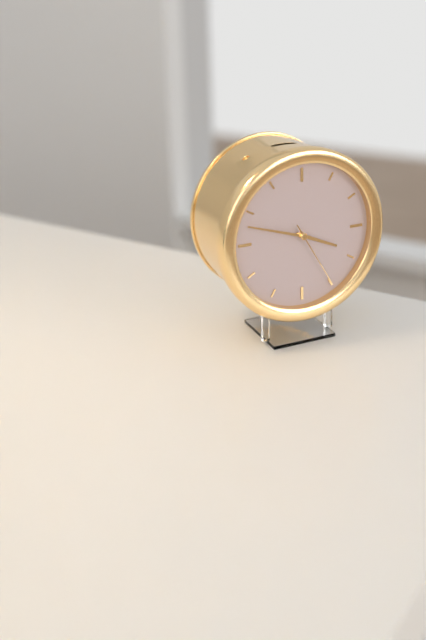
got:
3:48:25
